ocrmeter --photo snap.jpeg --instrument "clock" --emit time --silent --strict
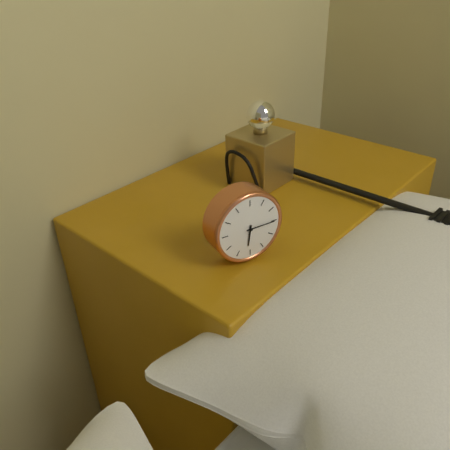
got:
6:15
